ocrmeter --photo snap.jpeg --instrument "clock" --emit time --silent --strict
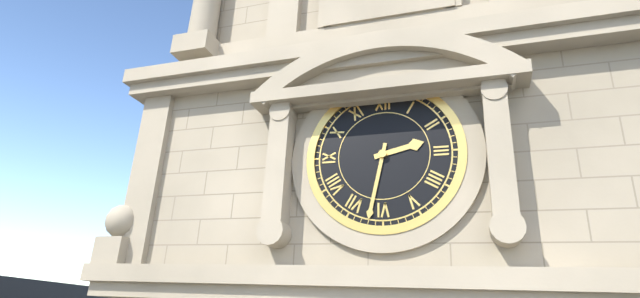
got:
2:32
